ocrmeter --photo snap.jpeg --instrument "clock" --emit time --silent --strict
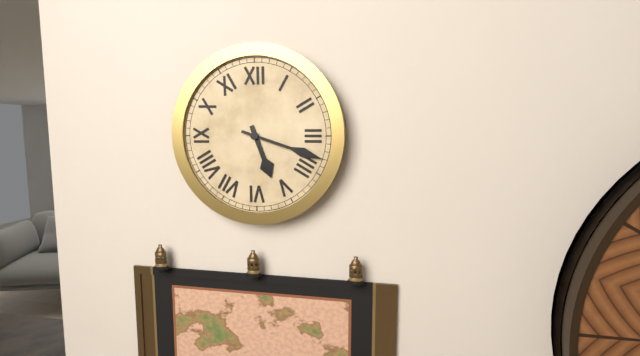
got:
5:18
